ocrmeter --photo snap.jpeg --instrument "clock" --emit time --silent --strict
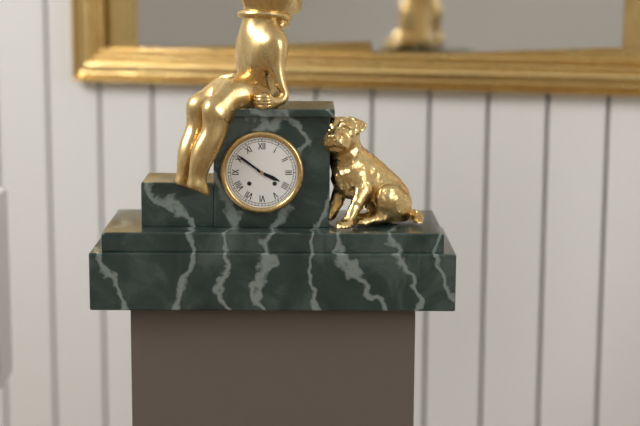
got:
3:51
